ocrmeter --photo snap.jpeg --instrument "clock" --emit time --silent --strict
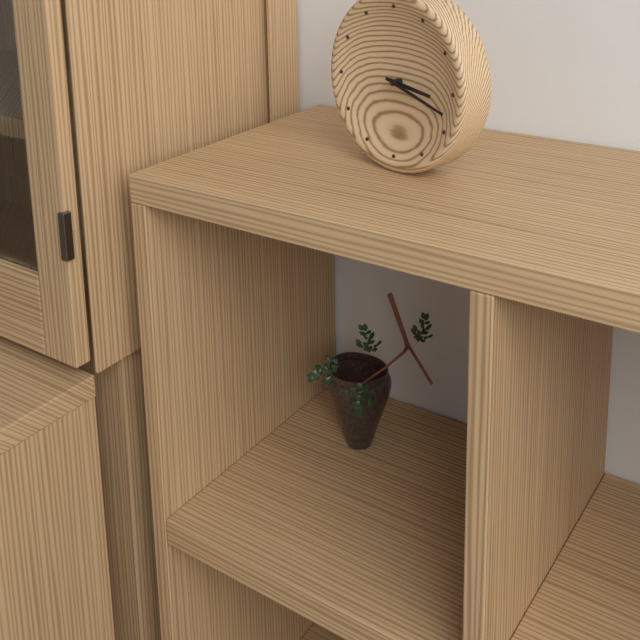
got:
3:18
